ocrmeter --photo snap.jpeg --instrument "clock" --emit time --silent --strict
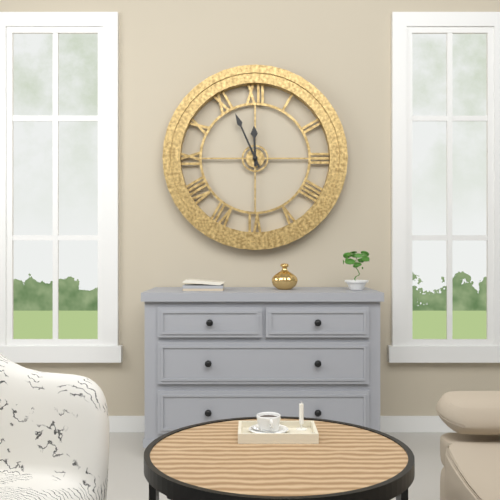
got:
11:56
